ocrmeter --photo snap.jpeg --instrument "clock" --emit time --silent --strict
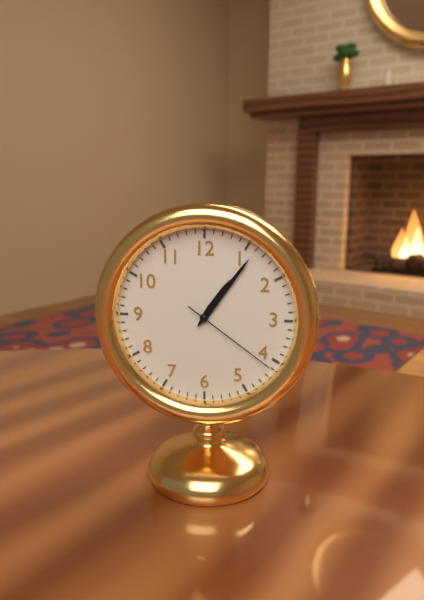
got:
1:06:21
